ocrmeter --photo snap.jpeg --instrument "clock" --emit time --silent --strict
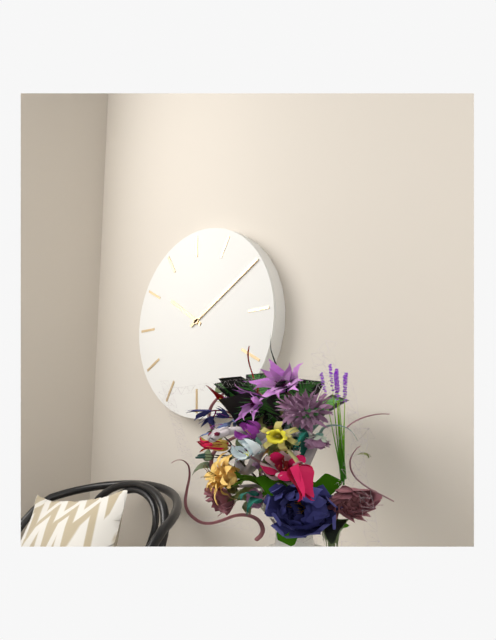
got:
10:10
